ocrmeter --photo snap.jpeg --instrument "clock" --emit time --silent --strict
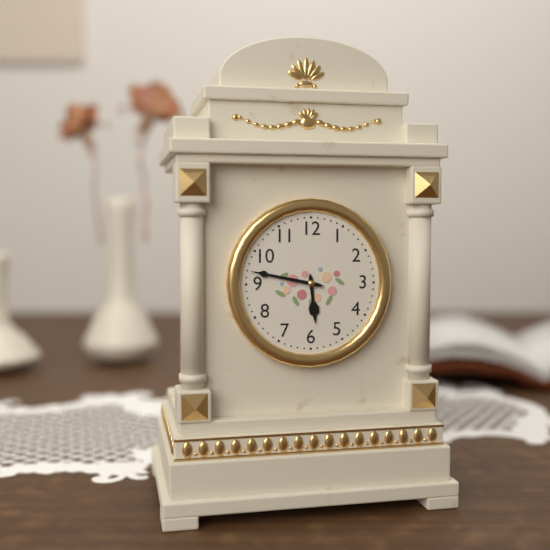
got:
5:47
